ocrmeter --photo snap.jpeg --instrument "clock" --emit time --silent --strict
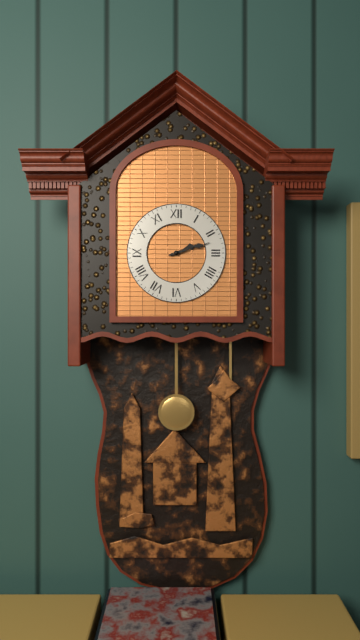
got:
2:12
